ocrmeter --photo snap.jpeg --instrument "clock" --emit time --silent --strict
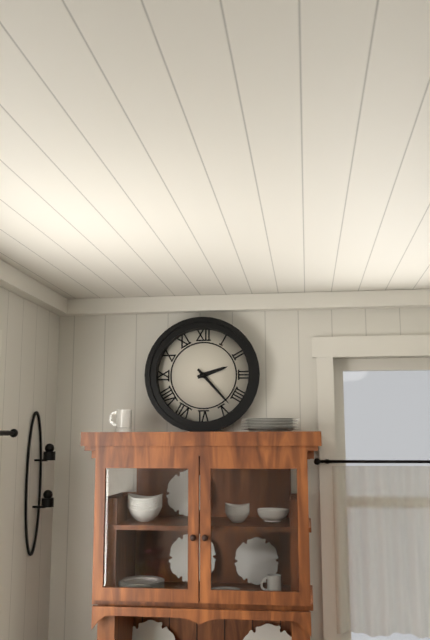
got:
2:23
